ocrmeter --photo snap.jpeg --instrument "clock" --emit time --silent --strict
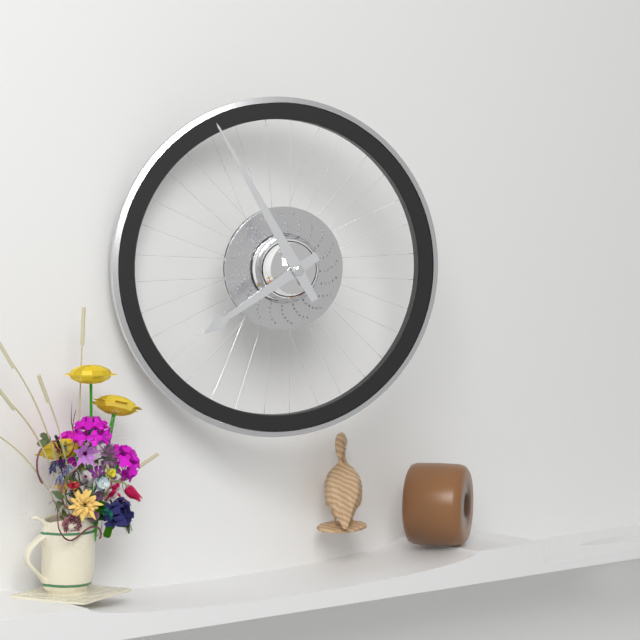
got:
7:55
